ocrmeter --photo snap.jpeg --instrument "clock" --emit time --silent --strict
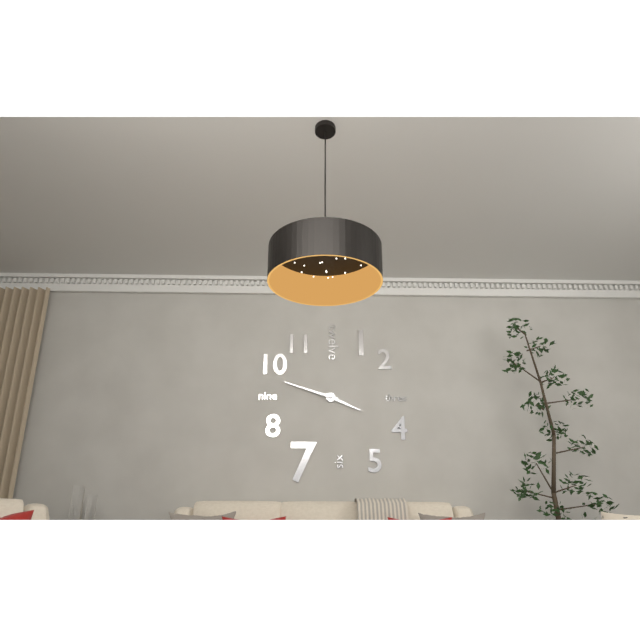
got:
3:48
